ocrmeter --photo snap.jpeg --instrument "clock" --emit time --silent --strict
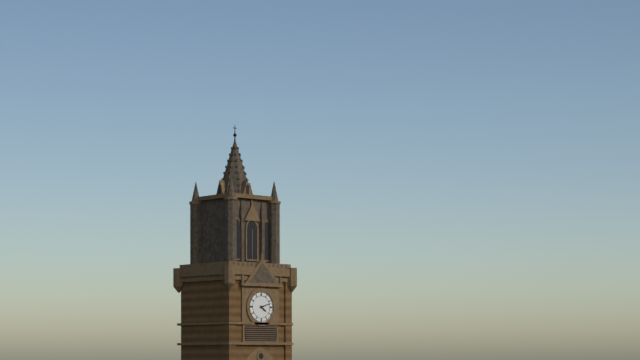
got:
4:12
